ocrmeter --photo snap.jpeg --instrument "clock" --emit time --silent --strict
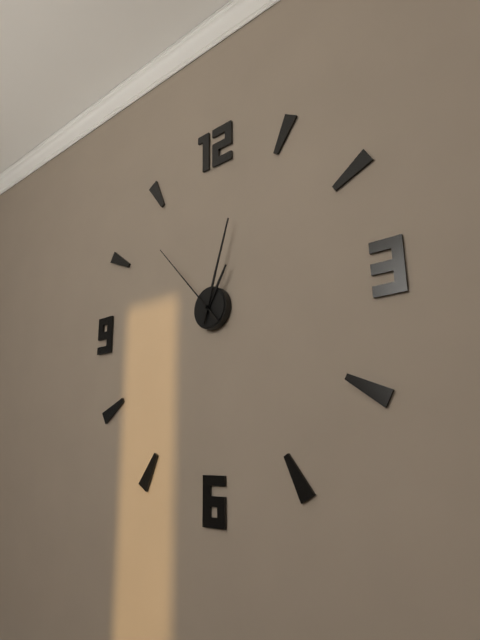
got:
1:03:53
